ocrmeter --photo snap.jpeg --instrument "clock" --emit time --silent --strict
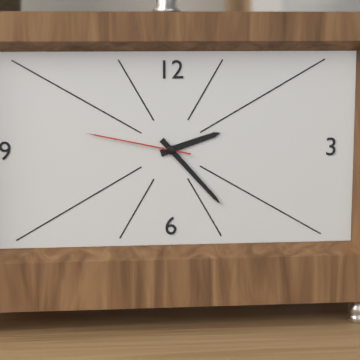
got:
2:23:47
